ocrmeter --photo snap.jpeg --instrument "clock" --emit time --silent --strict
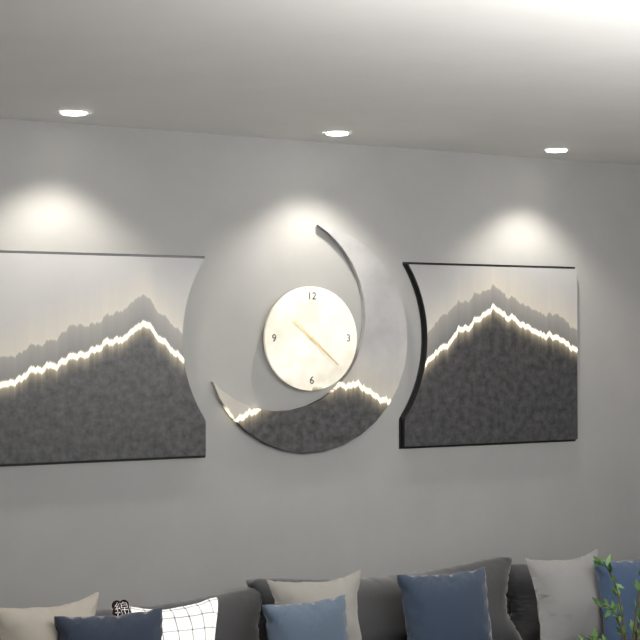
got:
10:22
